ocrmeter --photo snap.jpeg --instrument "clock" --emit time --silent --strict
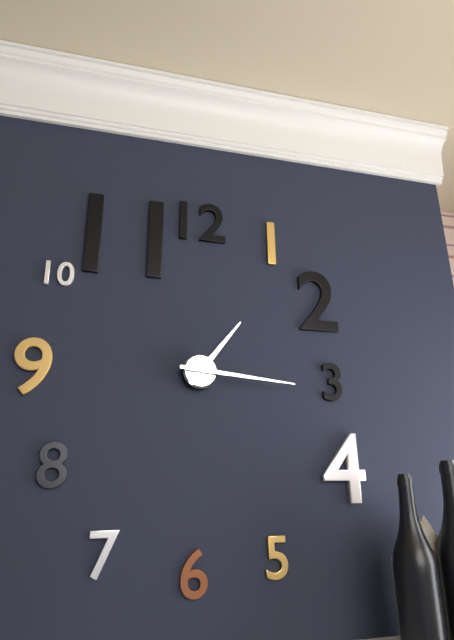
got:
1:16
